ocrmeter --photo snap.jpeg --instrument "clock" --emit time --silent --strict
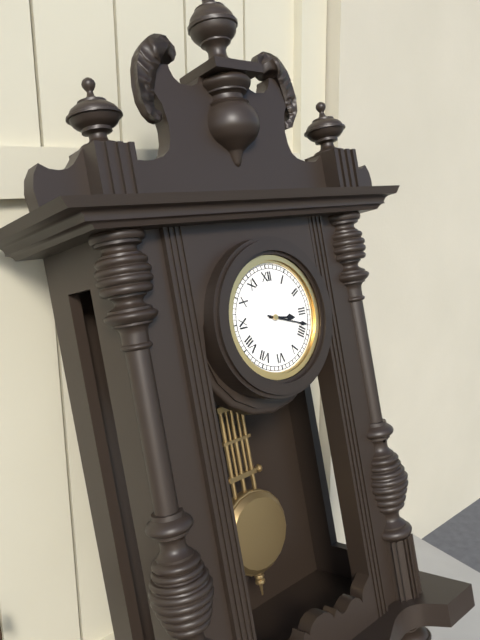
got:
3:18
